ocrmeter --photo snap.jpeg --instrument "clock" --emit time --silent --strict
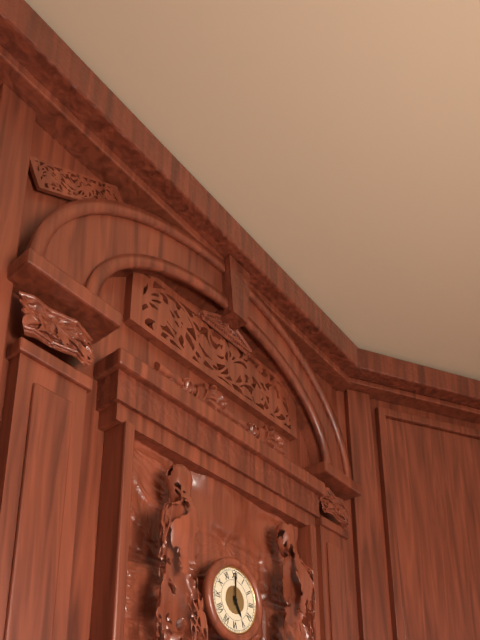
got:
5:00
